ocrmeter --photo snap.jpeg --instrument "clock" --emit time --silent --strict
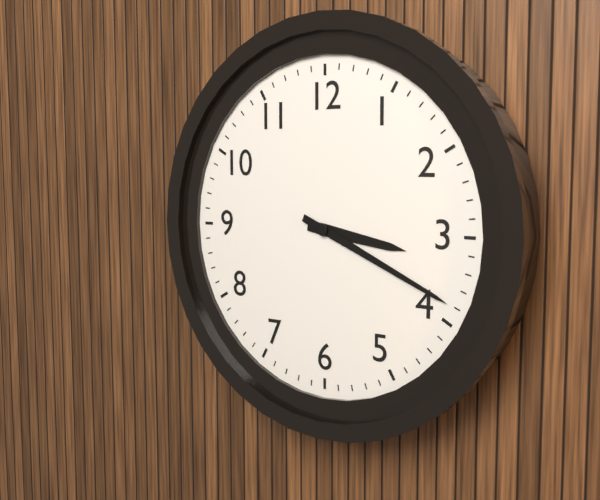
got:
3:19
